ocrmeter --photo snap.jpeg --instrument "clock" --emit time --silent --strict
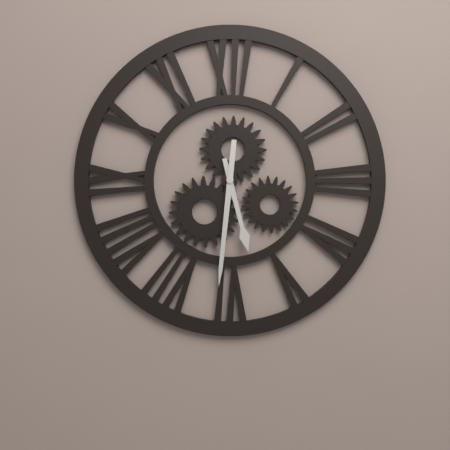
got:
5:31
